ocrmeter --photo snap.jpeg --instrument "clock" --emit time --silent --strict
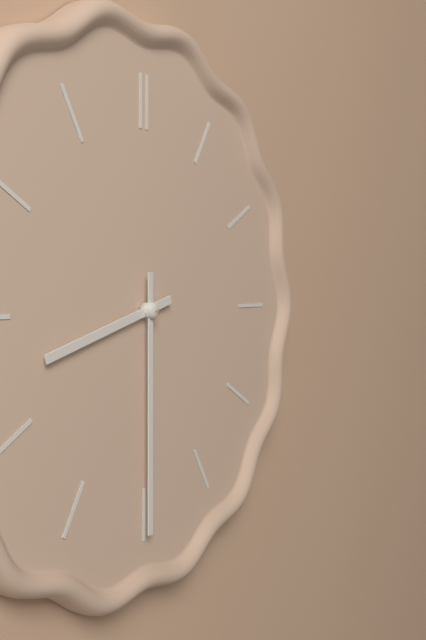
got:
8:30
